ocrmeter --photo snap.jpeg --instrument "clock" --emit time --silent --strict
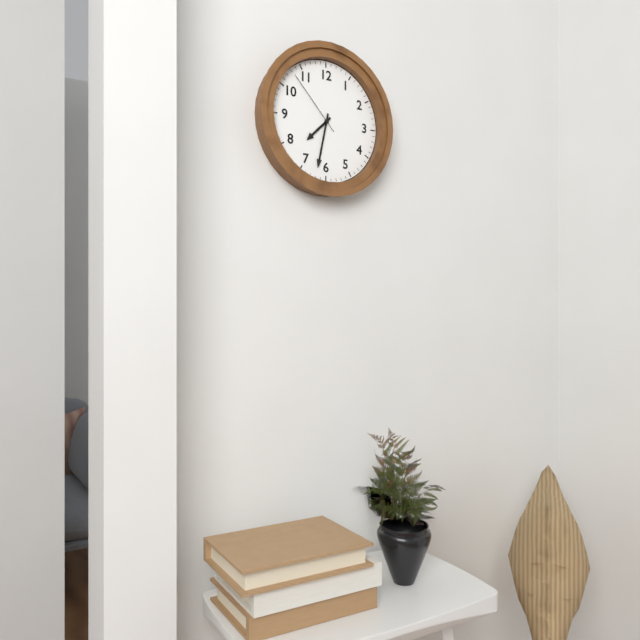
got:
7:32:53
